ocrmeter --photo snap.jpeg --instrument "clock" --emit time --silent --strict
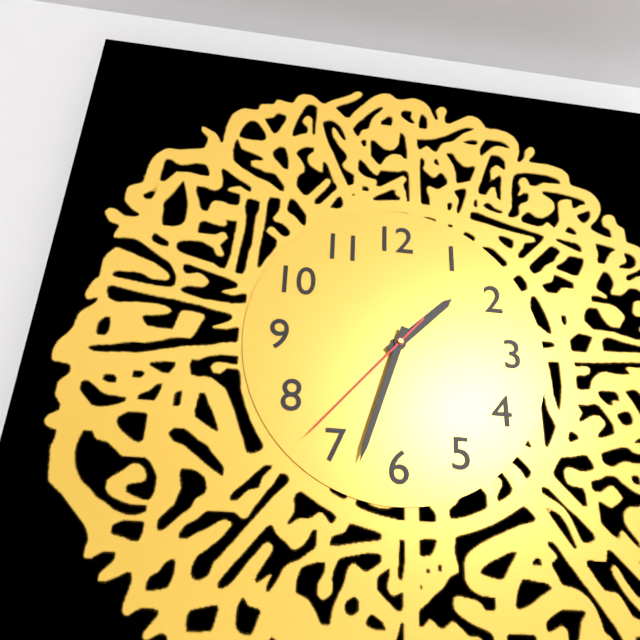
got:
1:33:37
